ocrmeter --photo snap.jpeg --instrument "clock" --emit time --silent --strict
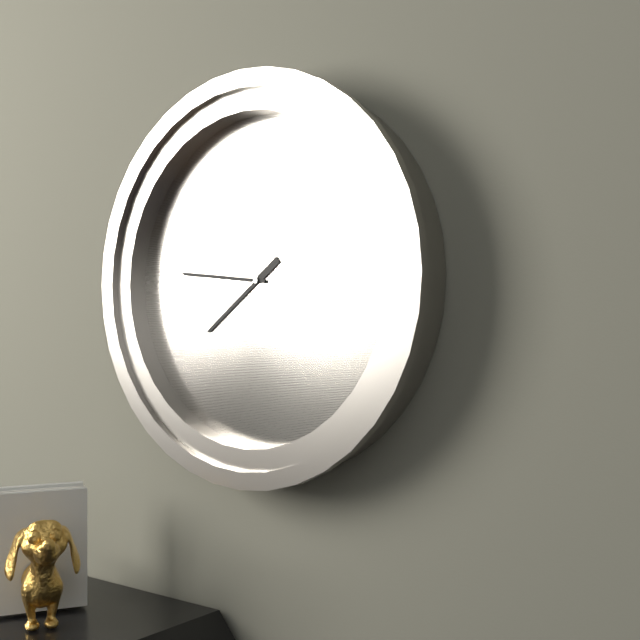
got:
7:46
